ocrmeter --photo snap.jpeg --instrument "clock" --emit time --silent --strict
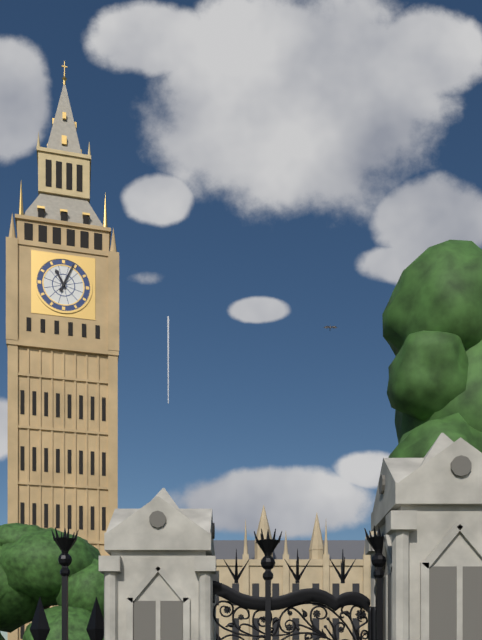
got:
11:04
